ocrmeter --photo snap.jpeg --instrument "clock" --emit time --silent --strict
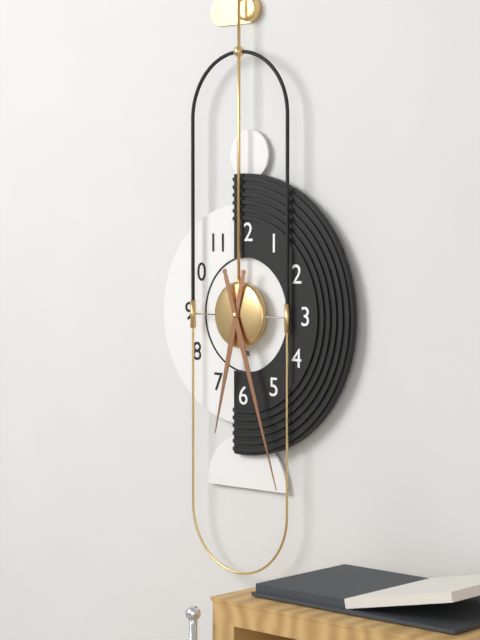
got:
6:27
